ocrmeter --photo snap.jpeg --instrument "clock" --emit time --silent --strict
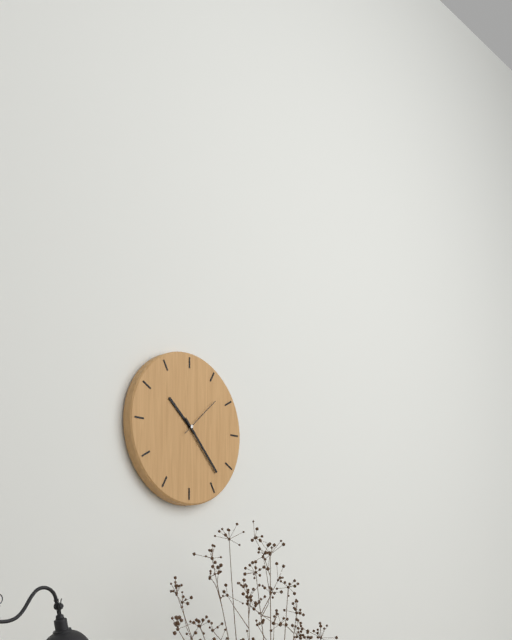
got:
10:23:08
